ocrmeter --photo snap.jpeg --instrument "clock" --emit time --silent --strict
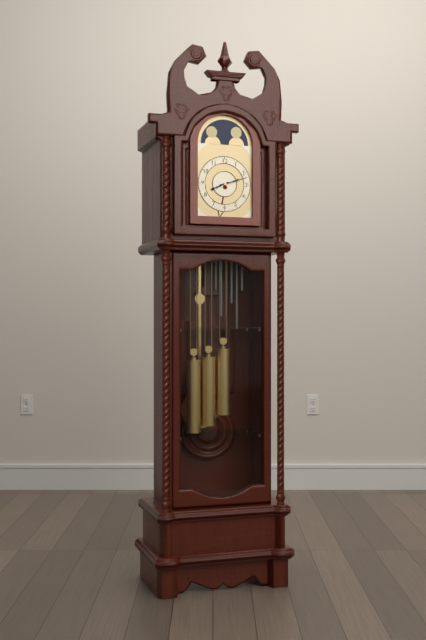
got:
8:12
